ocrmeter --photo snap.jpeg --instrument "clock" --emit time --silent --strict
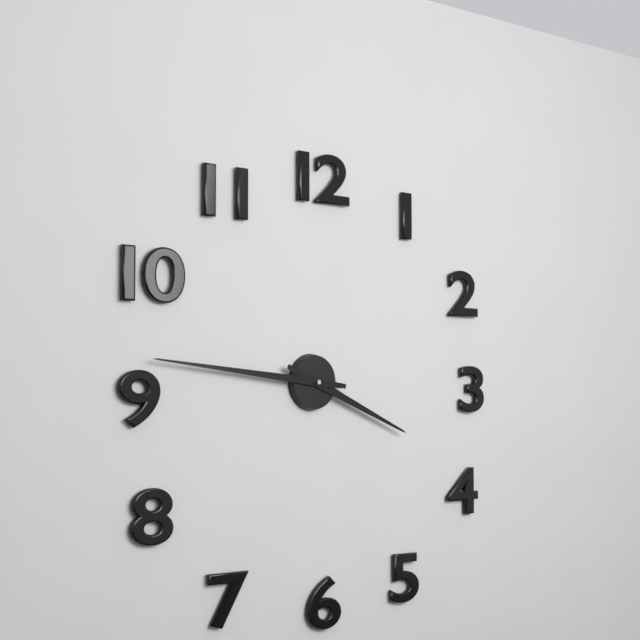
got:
3:46
